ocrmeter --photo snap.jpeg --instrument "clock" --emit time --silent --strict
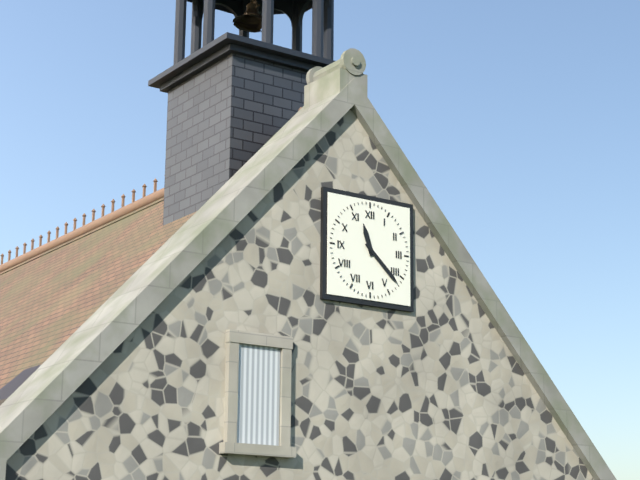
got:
11:22
